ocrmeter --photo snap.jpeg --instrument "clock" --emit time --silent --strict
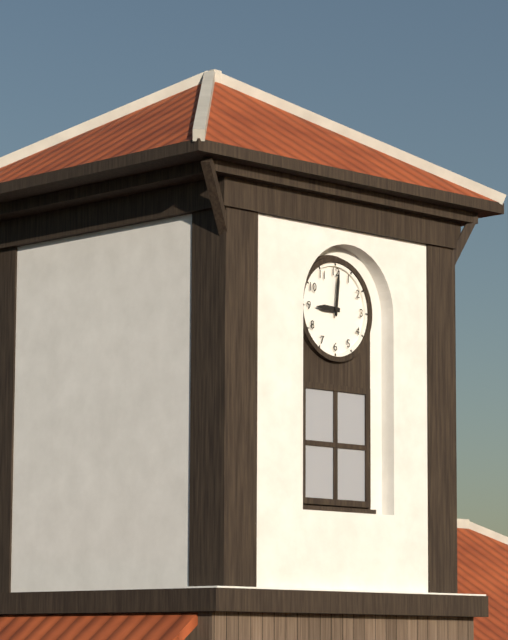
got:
9:01
